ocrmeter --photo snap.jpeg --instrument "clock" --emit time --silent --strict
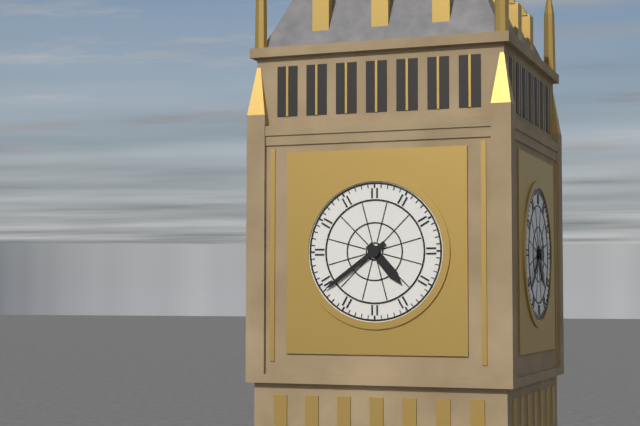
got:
4:39
